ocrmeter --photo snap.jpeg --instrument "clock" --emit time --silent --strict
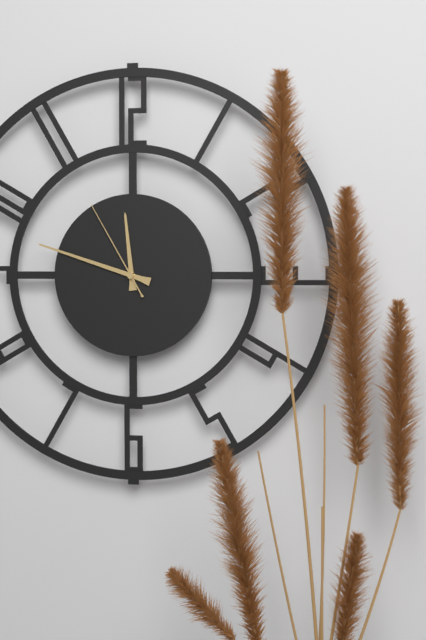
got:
11:48:55
